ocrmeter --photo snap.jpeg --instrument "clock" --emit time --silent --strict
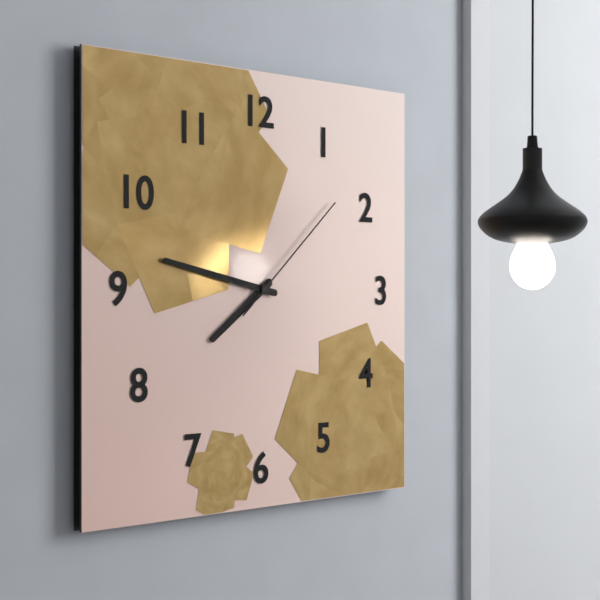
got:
7:47:08
